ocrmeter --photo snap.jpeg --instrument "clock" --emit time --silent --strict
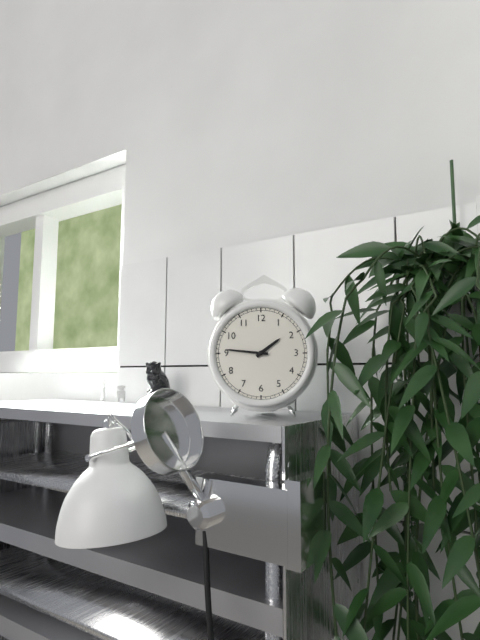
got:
1:46
